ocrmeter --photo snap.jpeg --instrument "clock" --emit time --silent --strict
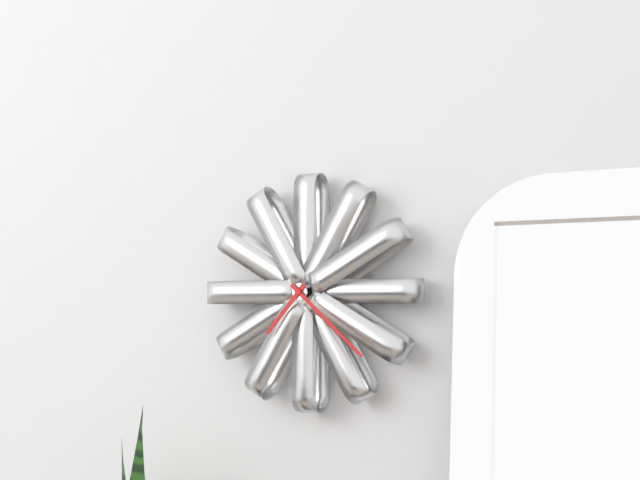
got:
7:22
